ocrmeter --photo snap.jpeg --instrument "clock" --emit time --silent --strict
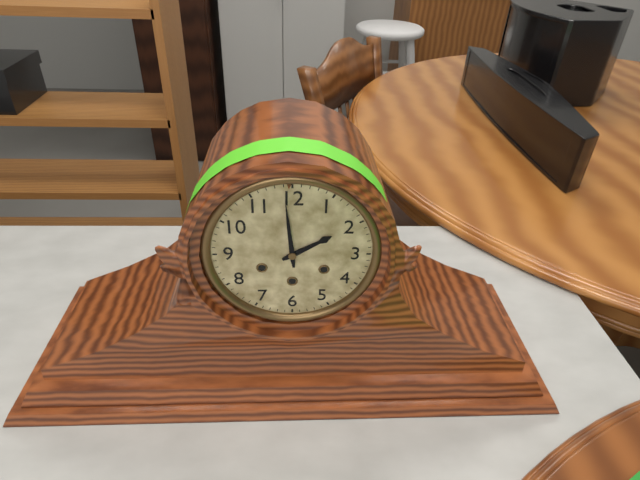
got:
1:59
